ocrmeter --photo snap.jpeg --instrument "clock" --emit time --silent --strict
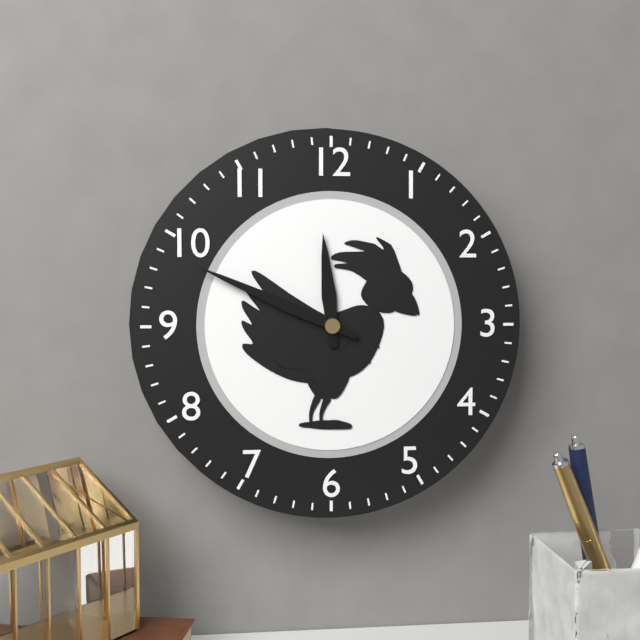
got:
11:49
